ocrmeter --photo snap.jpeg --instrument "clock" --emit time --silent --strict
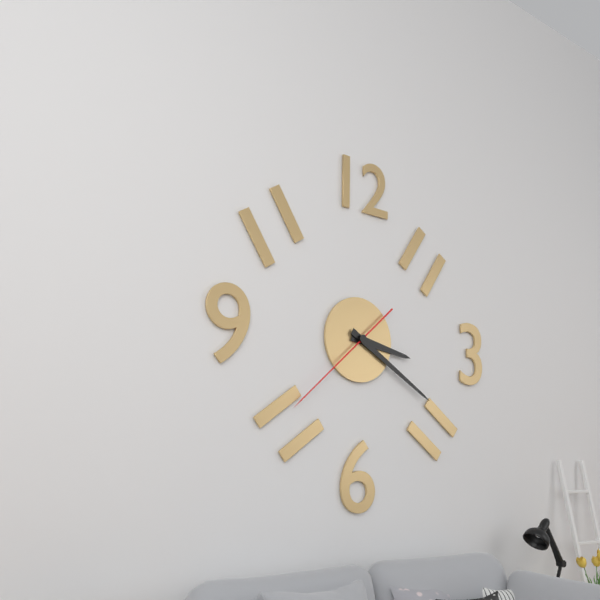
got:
3:20:38
